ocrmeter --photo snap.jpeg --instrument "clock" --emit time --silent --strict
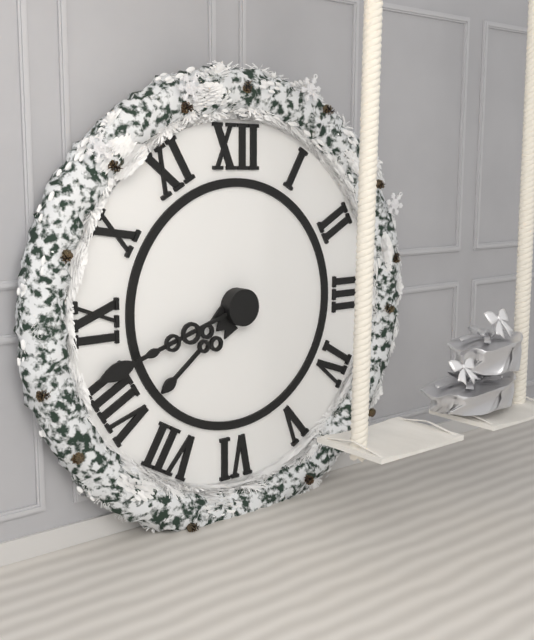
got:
7:42
